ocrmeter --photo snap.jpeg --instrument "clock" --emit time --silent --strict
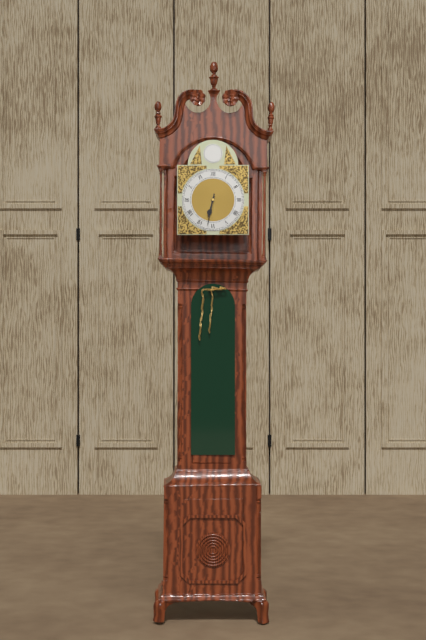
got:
6:32
